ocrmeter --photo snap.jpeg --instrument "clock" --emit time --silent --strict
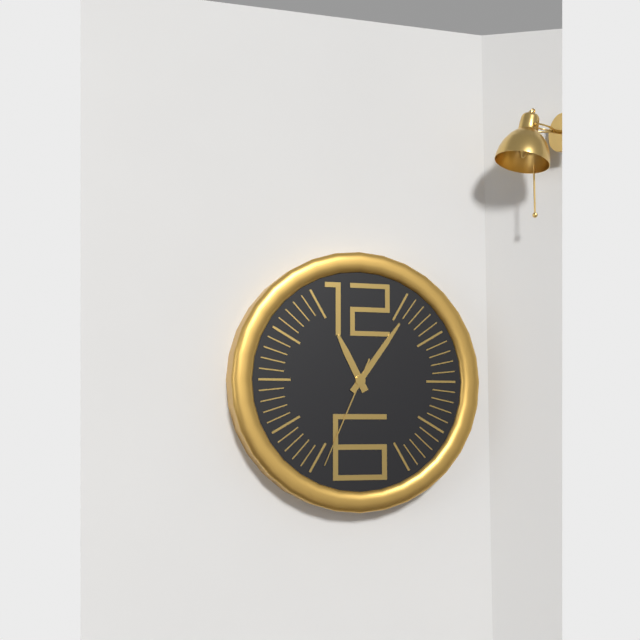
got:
11:06:34
